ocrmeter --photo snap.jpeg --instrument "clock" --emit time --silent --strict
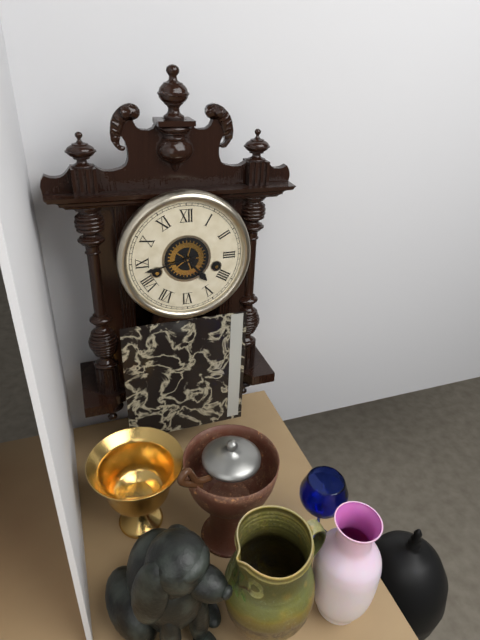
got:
4:43
